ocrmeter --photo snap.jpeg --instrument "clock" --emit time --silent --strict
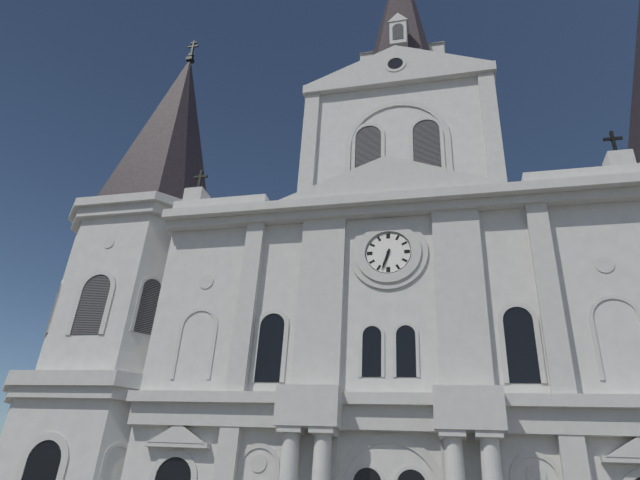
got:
6:33
